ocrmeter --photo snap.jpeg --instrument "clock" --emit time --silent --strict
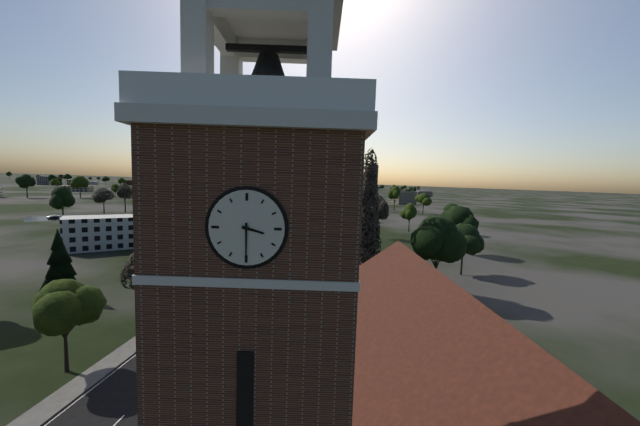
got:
3:30
